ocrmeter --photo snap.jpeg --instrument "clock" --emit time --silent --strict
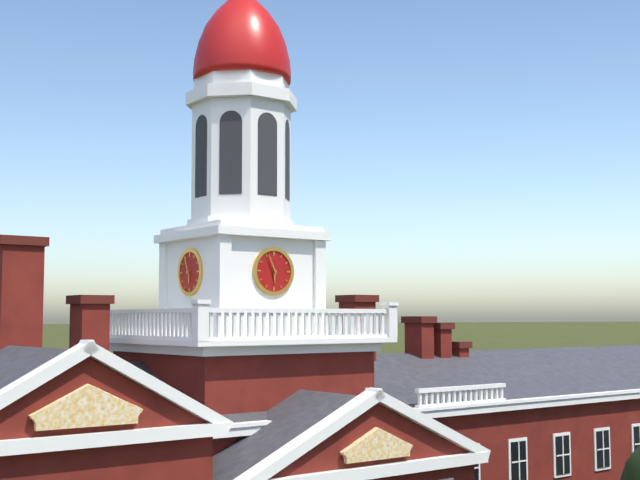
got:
5:56
